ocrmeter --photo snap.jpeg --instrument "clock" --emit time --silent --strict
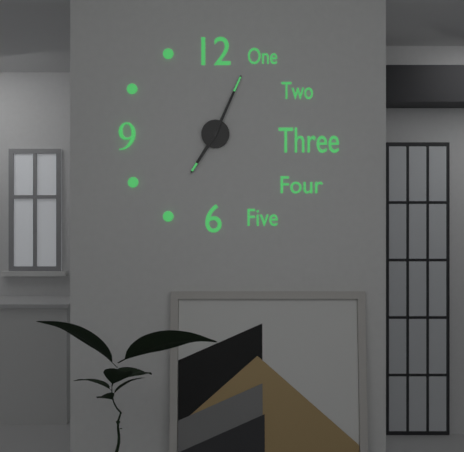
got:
7:04
